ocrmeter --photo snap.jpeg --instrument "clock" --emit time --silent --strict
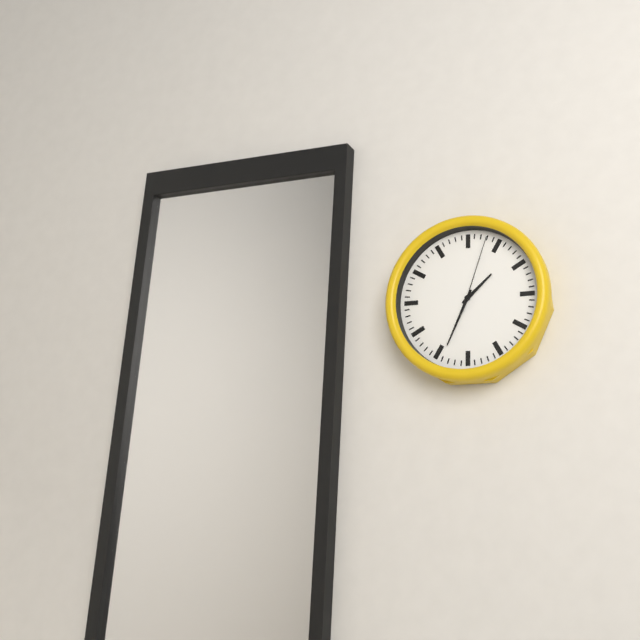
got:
1:34:03
